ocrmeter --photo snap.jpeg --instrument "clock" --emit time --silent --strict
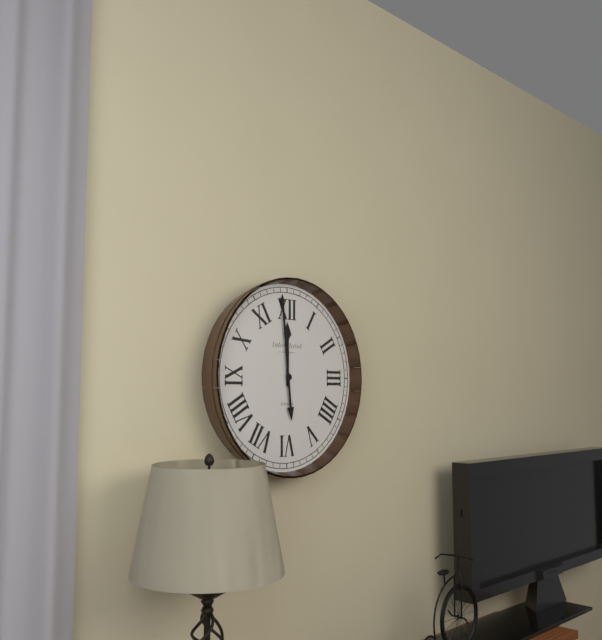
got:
11:59
